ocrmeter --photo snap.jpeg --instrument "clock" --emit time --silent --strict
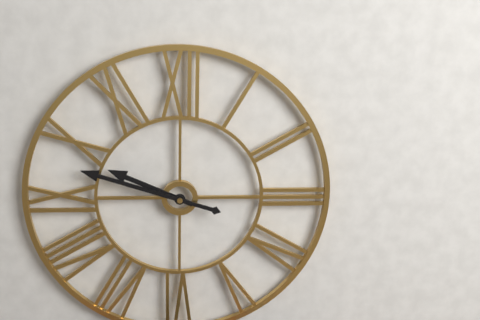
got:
9:48
